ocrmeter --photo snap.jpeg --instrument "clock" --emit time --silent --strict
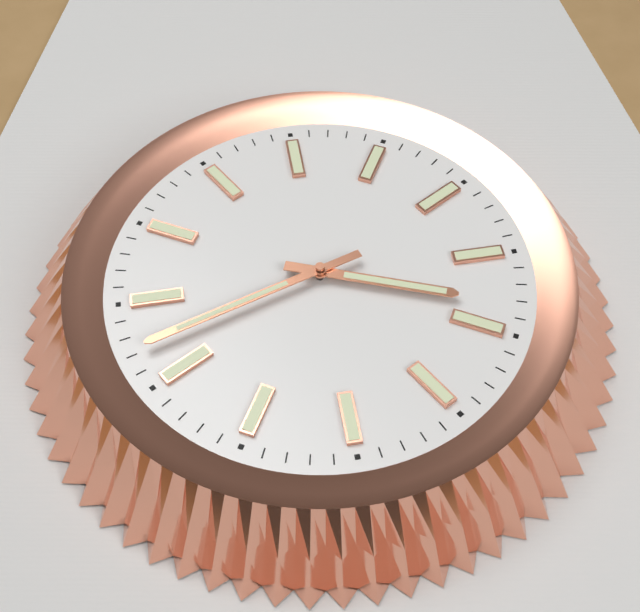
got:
3:42
